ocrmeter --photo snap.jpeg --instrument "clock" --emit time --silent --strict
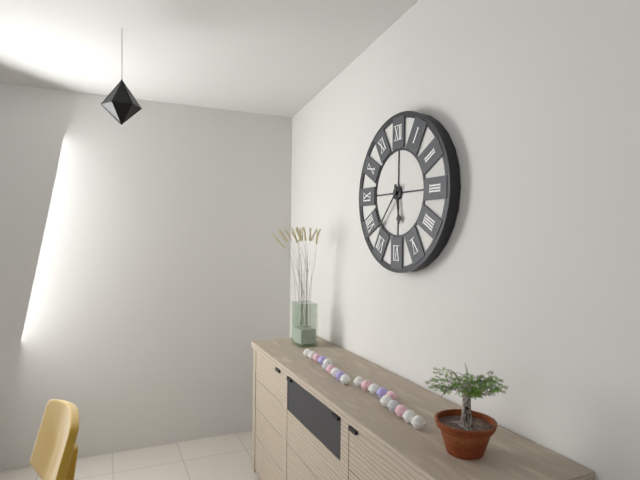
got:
5:37
